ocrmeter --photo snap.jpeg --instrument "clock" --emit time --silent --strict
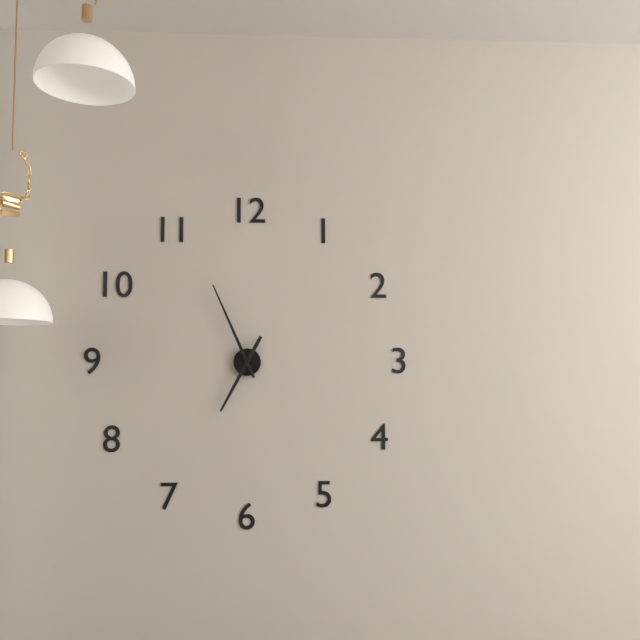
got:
6:56
